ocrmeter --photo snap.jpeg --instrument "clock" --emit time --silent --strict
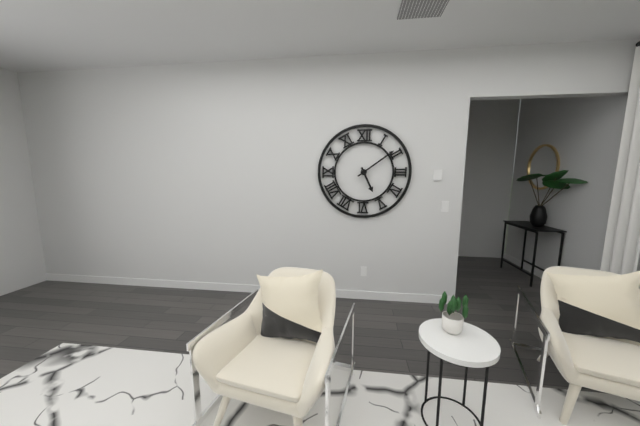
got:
5:09
